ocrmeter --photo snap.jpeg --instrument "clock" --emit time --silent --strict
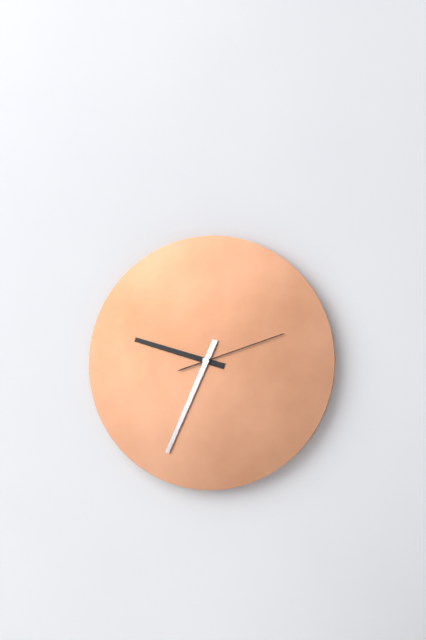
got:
9:34:12
